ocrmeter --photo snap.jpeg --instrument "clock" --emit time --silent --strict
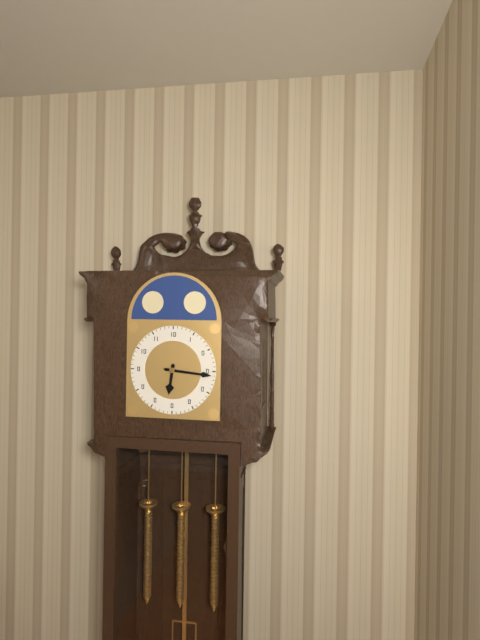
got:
6:16
